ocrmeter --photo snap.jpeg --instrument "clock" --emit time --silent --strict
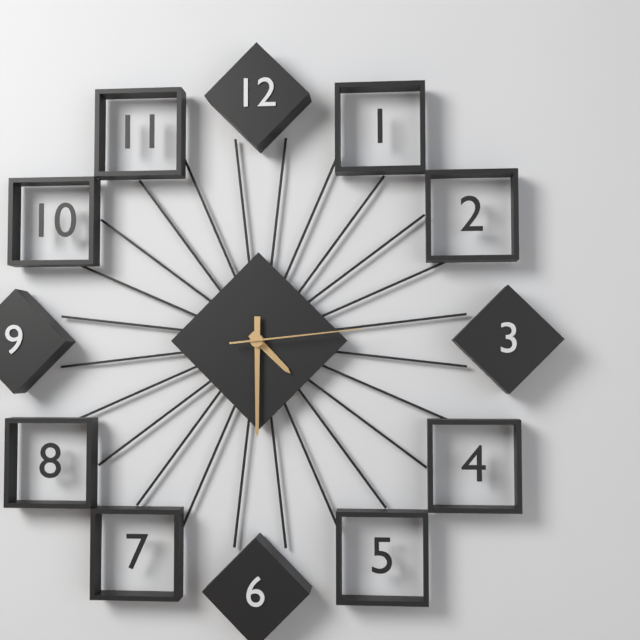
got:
4:30:14
